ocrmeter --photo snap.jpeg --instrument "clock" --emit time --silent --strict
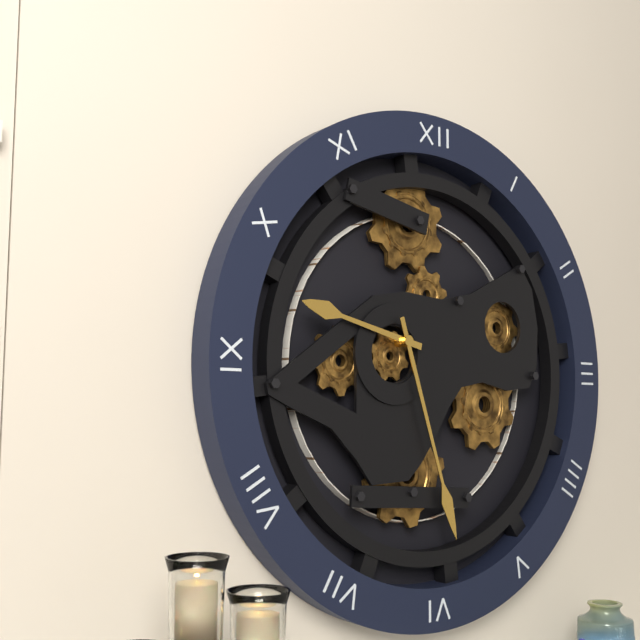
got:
9:27
